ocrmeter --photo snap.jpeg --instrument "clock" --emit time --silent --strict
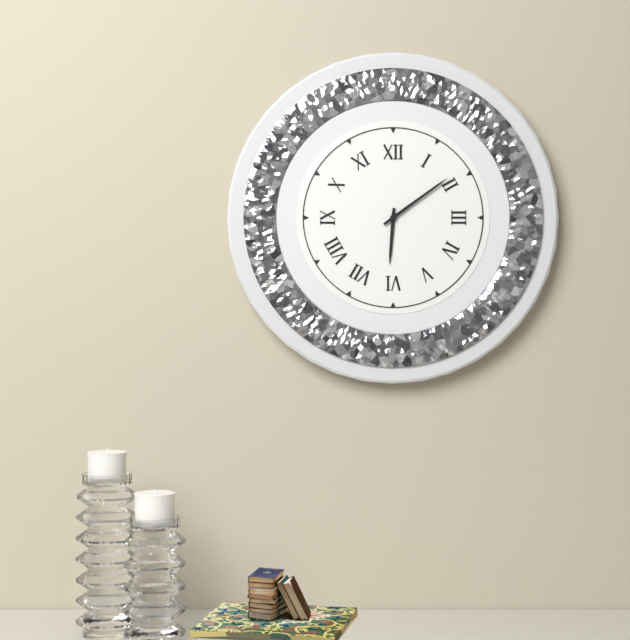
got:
6:09
